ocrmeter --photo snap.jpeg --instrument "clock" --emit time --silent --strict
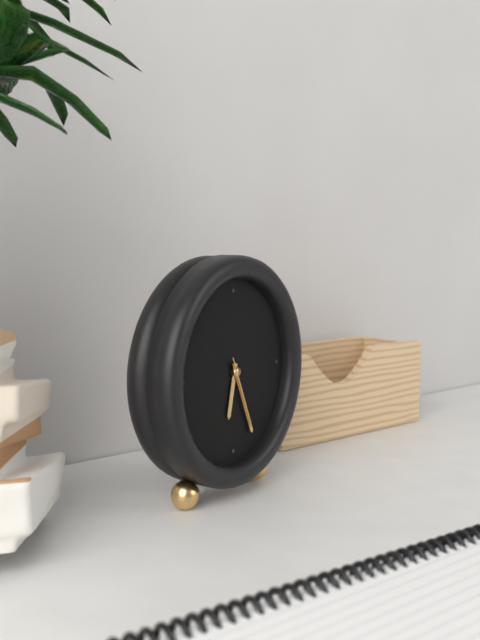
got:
6:26:26
